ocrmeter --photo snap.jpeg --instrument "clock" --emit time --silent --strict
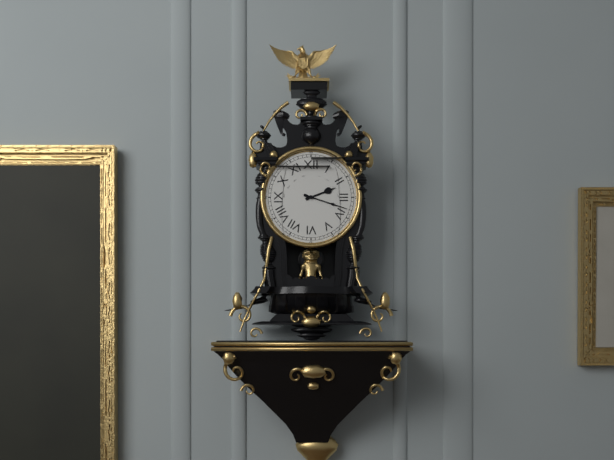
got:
2:18
